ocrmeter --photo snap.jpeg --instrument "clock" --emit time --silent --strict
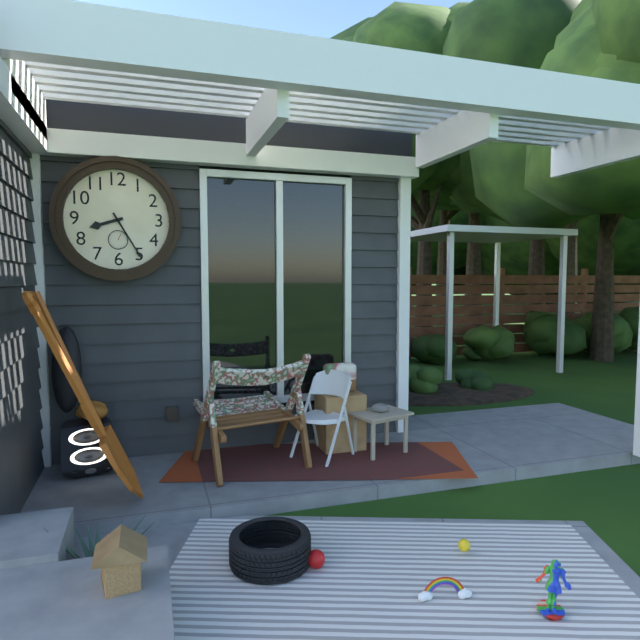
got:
8:25
